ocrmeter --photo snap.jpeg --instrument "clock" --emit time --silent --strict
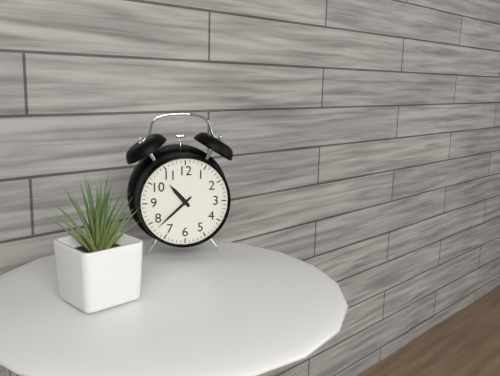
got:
10:38
